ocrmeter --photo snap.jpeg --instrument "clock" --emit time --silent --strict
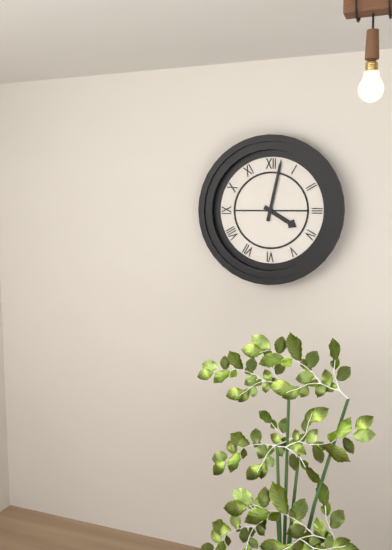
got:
4:02
